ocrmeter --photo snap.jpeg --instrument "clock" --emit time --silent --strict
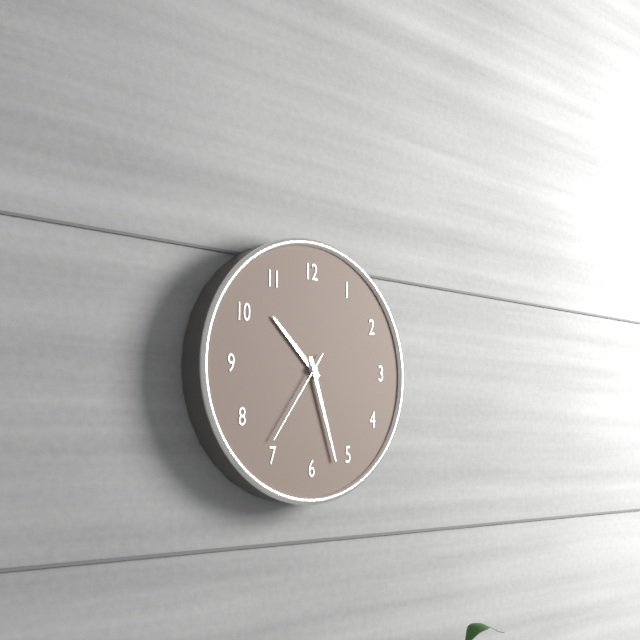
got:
10:27:36
